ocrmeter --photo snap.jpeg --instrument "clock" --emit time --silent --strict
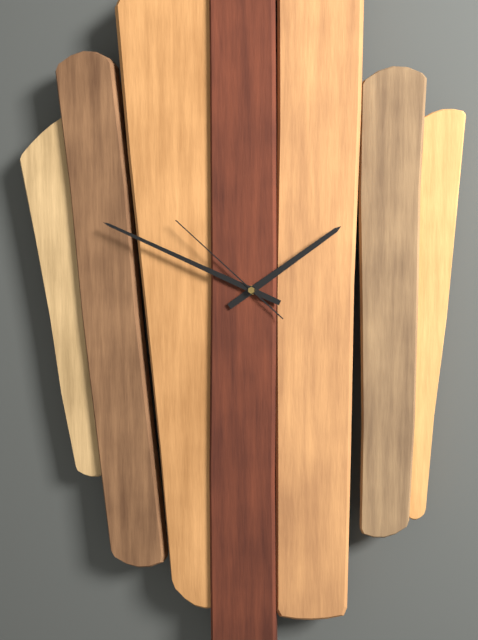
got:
1:49:52
